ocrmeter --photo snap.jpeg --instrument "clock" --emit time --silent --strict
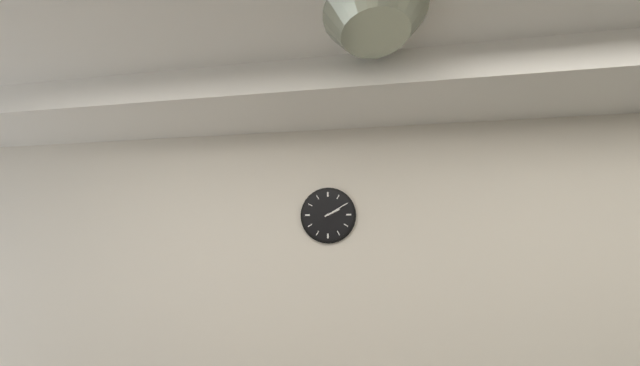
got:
2:10
